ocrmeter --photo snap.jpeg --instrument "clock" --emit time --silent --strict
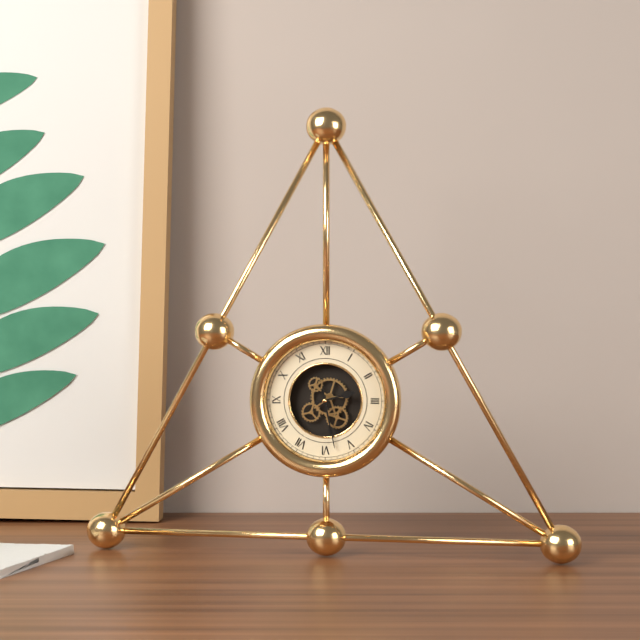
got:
2:28
